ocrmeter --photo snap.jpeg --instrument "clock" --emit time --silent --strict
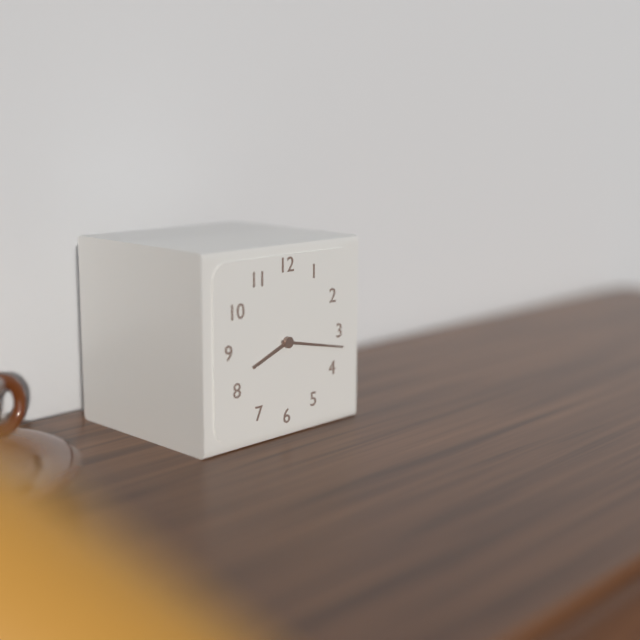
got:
8:17
